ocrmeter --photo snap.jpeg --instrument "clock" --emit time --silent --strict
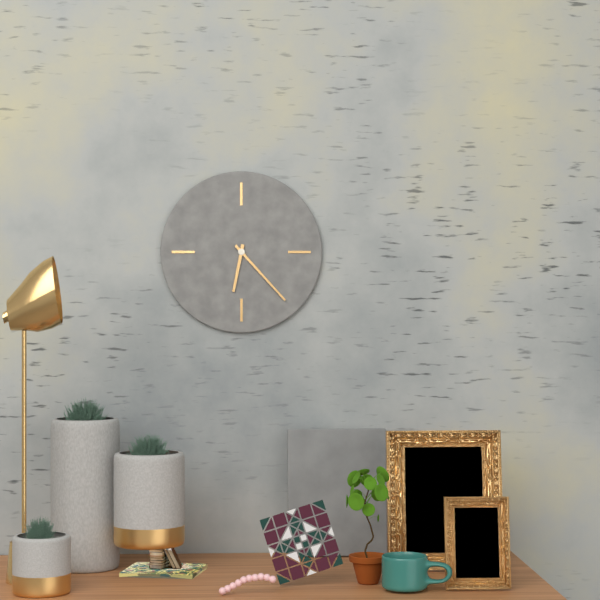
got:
6:23
